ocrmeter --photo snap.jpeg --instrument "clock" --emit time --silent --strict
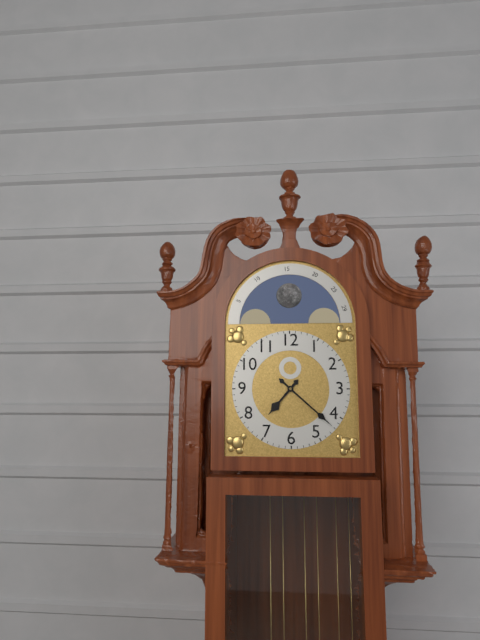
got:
7:22
